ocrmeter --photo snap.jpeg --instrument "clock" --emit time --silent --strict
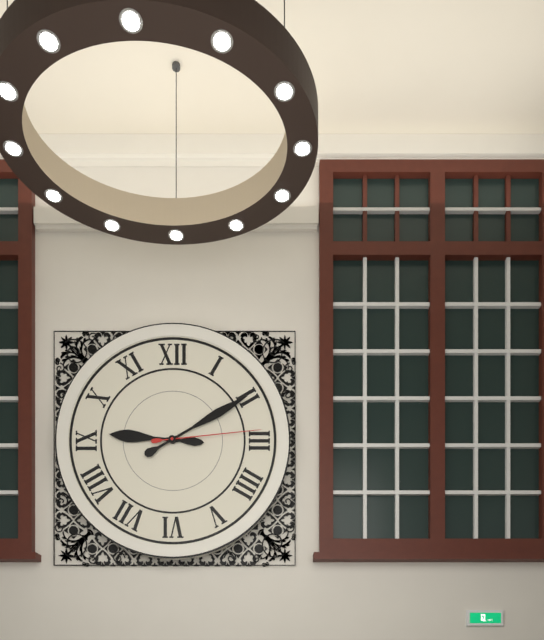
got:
9:10:14
